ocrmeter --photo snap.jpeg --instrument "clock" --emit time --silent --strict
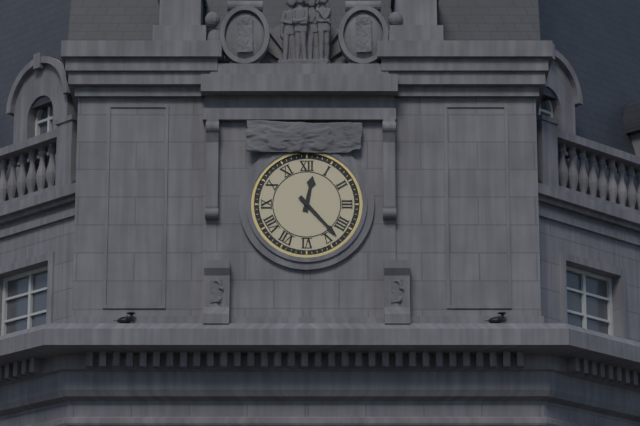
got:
12:23
